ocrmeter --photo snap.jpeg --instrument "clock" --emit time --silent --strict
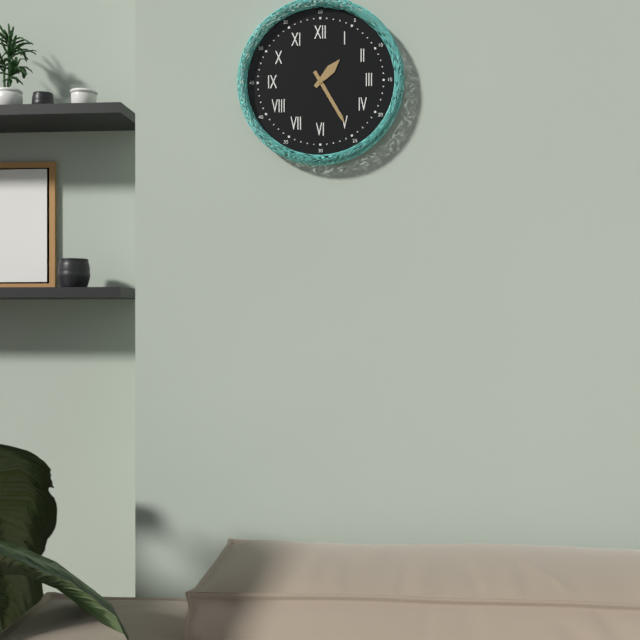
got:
1:25
